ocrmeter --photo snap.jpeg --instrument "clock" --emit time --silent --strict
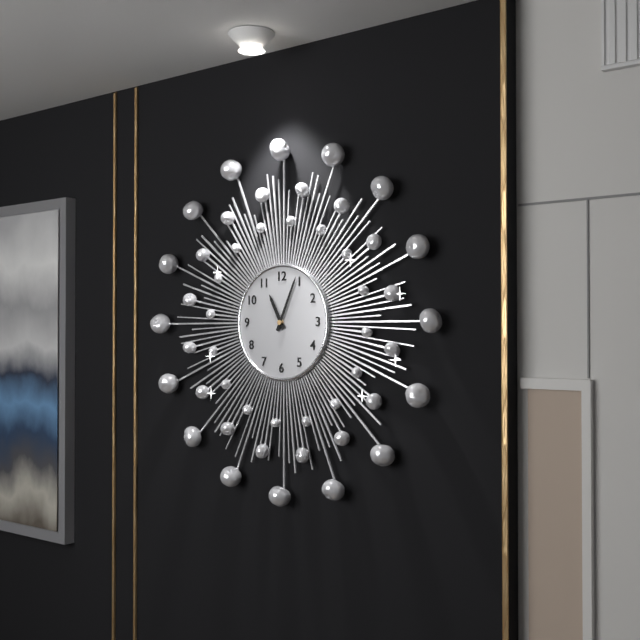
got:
11:04
